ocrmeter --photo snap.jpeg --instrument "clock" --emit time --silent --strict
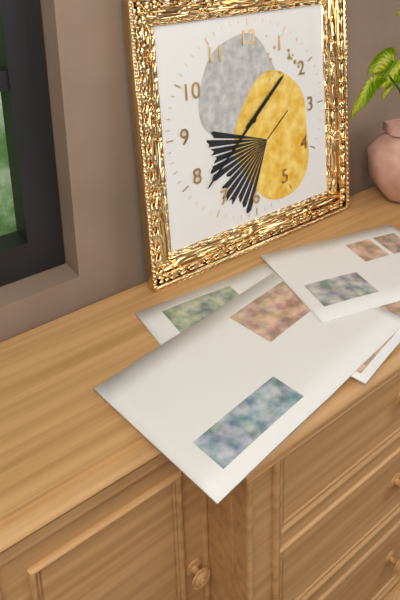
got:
1:38
